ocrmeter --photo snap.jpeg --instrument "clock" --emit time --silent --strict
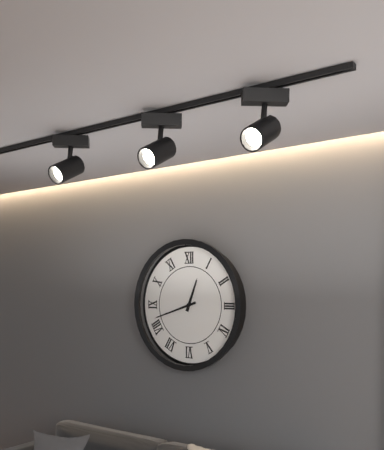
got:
12:42
